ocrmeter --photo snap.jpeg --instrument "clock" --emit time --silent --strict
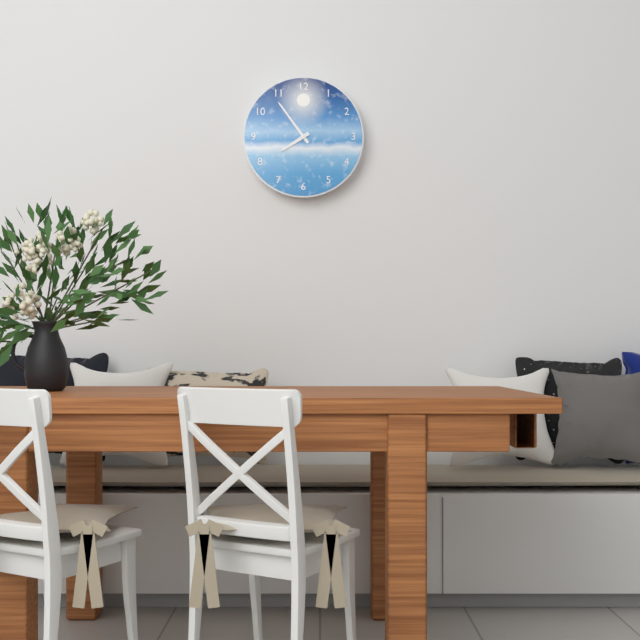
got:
7:54
